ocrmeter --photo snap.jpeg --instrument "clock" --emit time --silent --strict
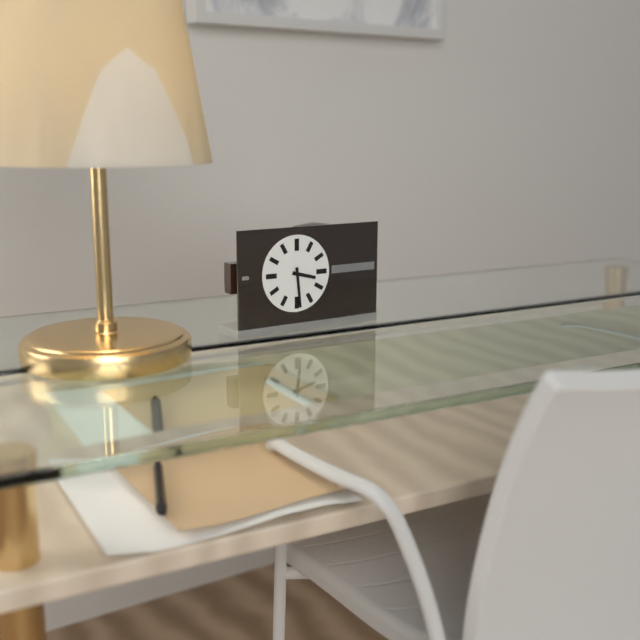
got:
3:29
